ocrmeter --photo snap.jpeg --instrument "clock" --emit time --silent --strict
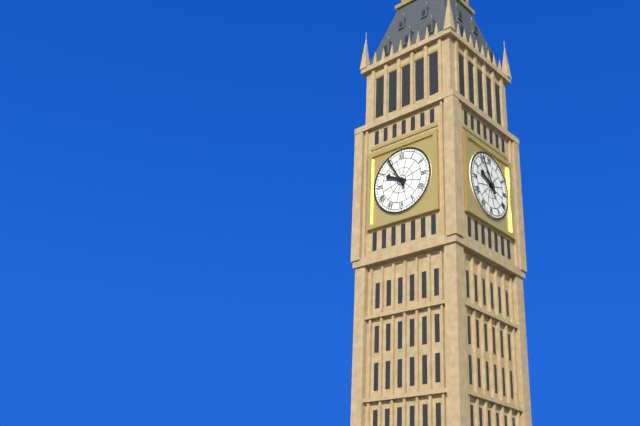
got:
9:55
